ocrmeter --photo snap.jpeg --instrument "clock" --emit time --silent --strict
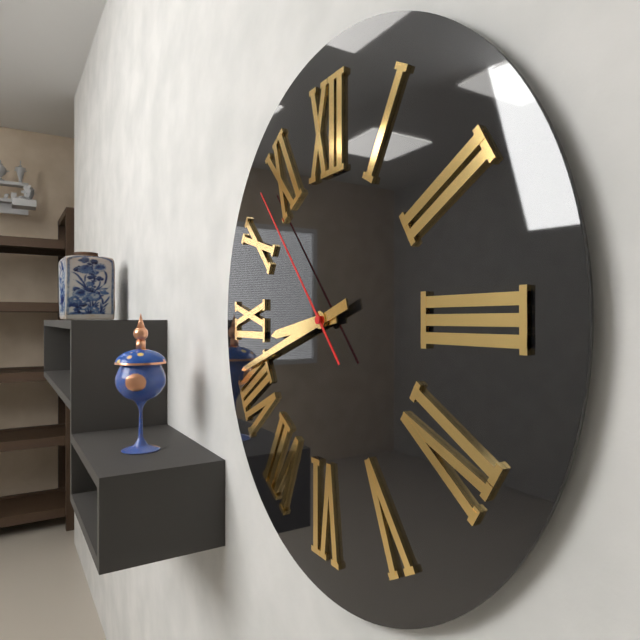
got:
8:42:53
